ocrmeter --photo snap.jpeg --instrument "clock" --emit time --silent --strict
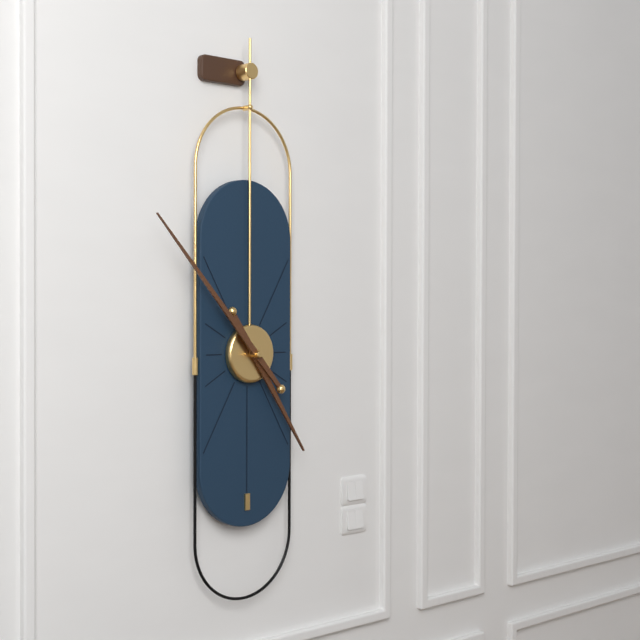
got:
4:53
